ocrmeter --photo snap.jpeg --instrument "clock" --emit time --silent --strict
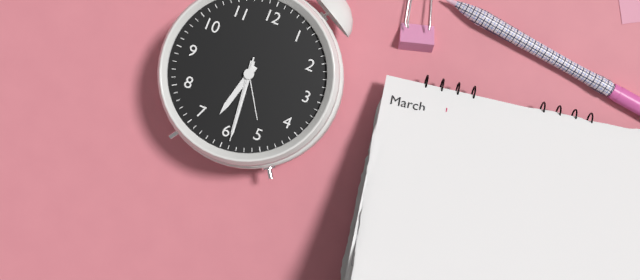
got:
6:29:29
